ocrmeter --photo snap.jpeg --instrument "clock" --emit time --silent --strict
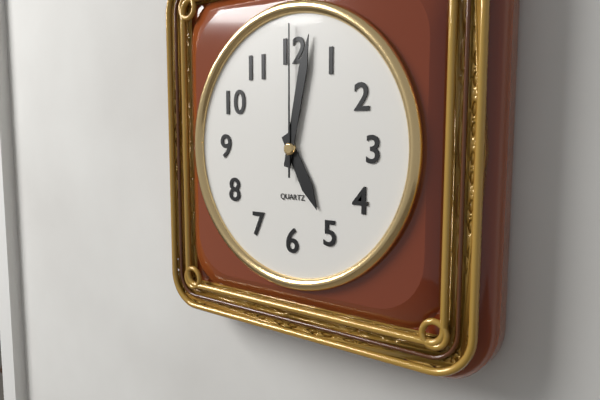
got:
5:02:00
